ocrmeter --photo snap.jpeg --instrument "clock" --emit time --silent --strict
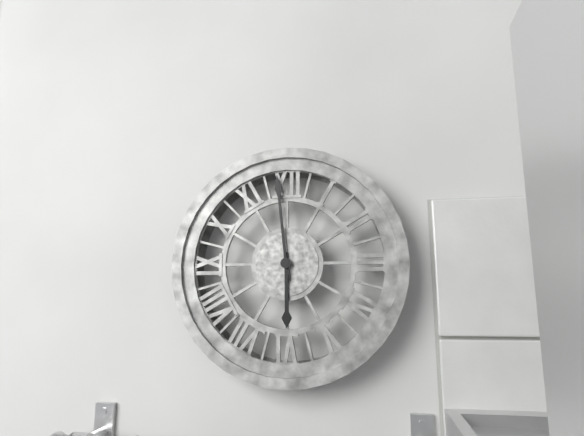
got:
5:59
